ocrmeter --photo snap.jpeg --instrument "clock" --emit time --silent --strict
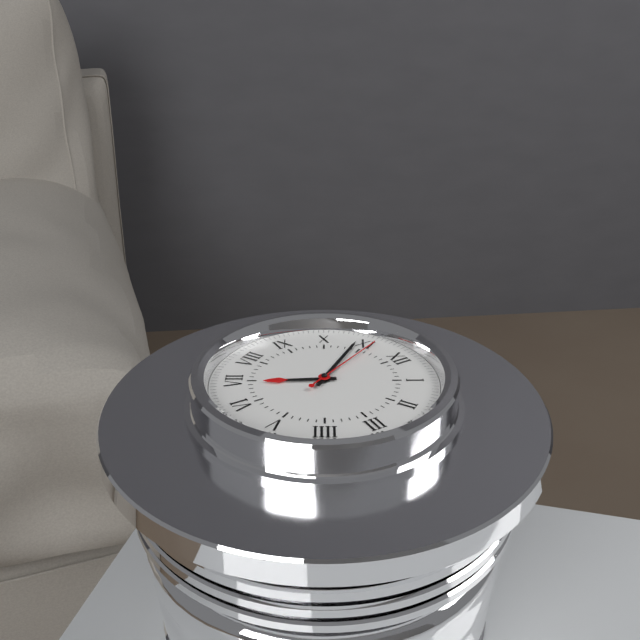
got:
6:54:56
